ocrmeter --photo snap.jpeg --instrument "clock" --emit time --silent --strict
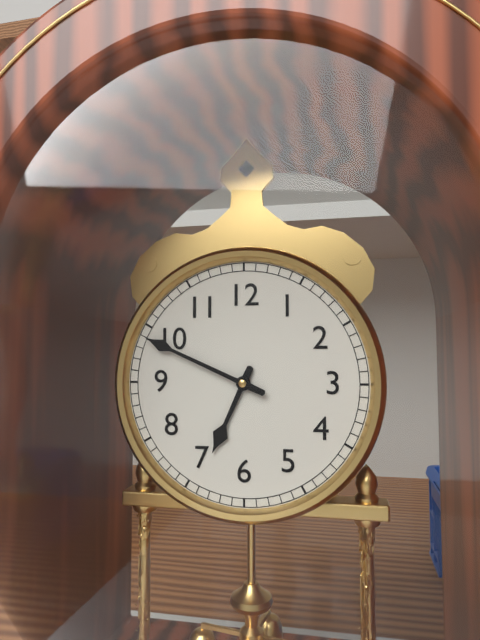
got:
6:49
